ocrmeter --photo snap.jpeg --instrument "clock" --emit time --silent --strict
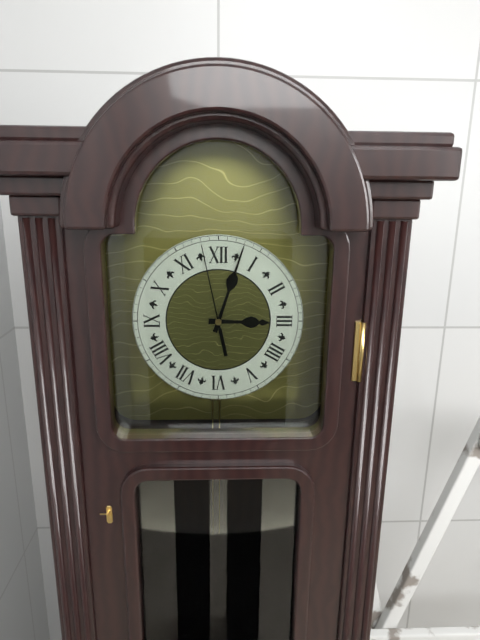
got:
3:03:58
